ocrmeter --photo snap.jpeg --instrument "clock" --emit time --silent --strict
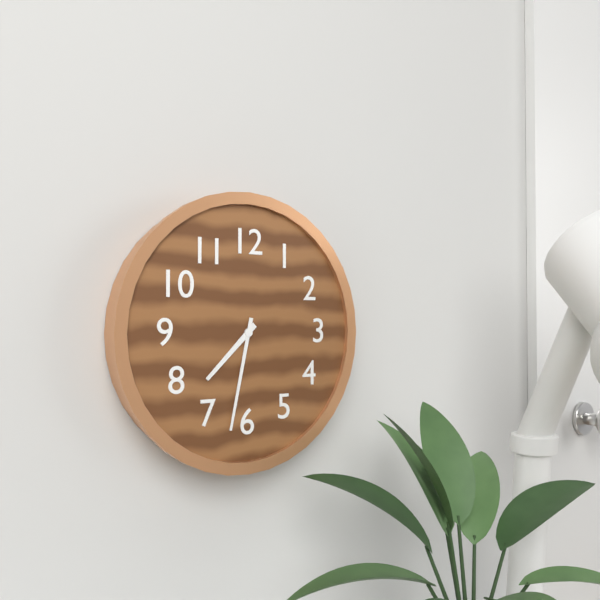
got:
7:32
